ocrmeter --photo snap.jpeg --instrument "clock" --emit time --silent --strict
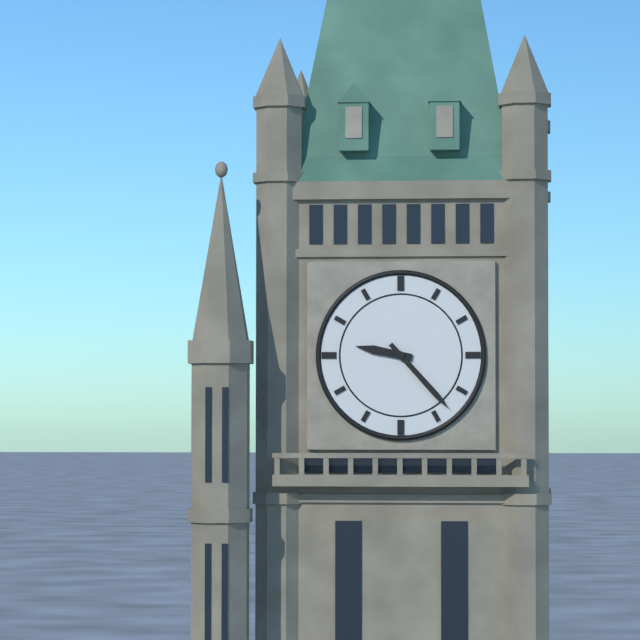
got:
9:23
